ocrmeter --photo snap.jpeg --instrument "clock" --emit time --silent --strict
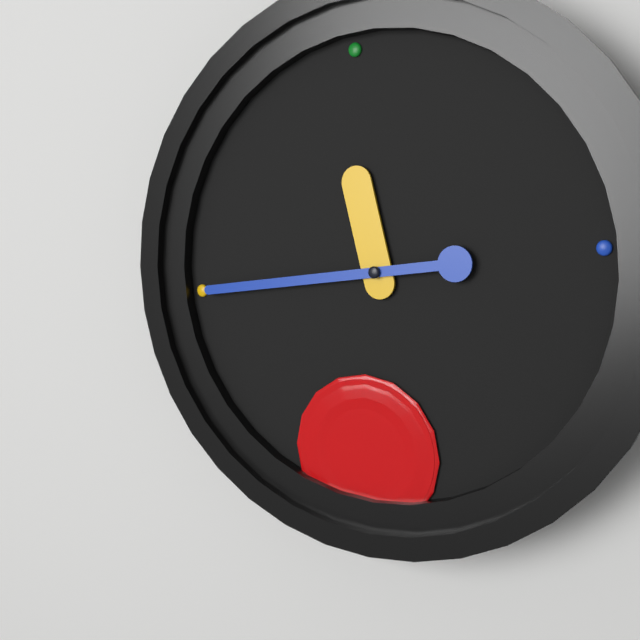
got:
11:45
